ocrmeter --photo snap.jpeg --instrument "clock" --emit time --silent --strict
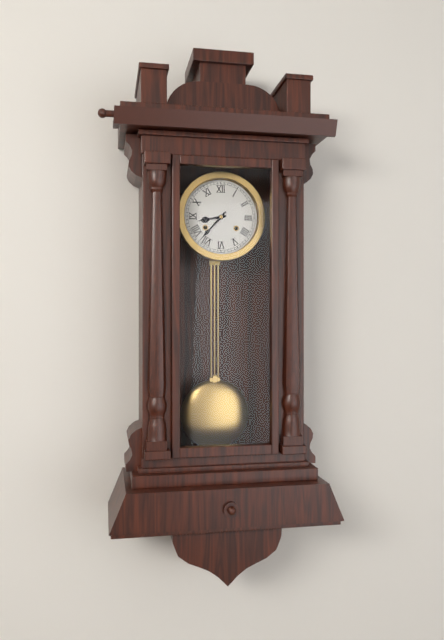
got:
8:37
